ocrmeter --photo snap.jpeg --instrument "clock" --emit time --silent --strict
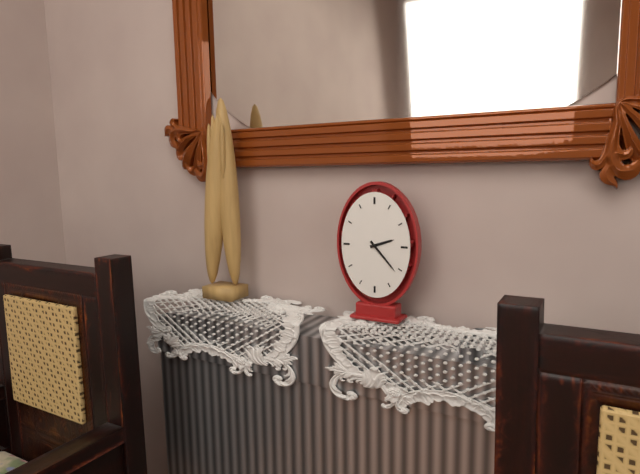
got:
2:23
